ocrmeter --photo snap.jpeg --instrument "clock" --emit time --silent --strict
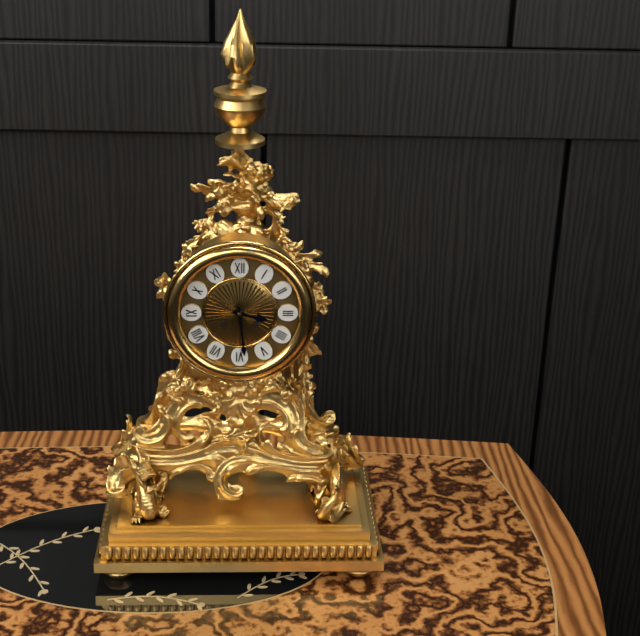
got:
3:29
